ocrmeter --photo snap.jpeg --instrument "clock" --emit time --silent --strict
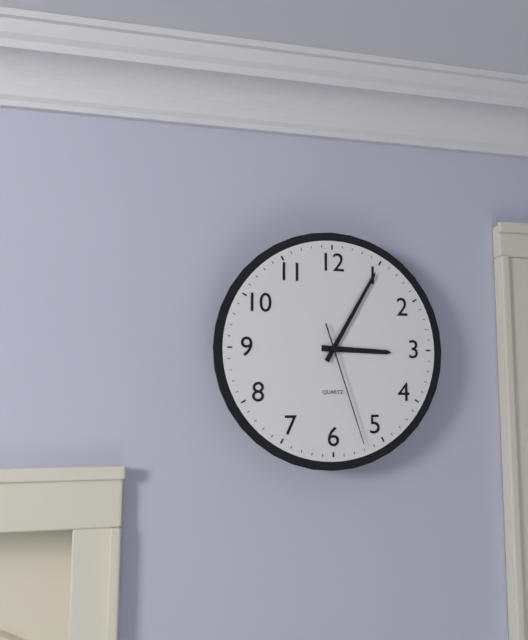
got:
3:05:27
